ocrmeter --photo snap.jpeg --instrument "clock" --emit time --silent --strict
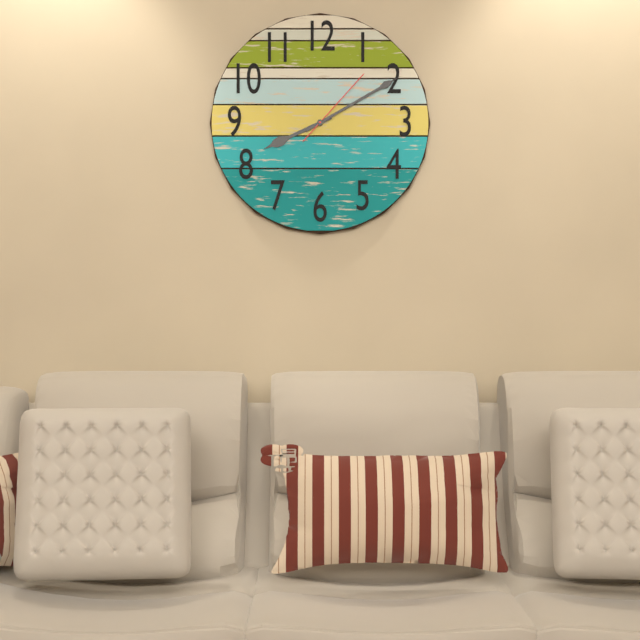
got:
8:10:07
